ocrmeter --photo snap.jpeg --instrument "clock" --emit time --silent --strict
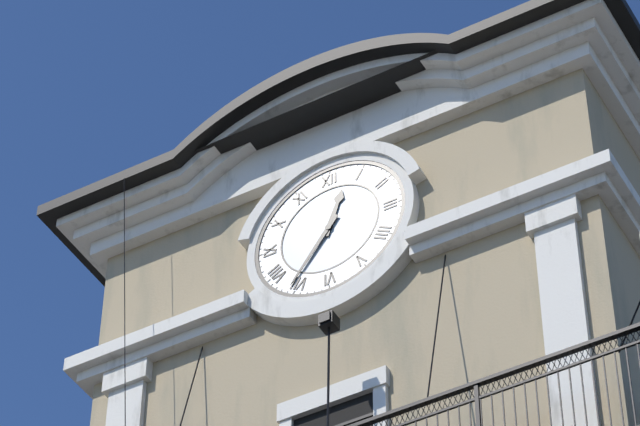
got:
12:36
